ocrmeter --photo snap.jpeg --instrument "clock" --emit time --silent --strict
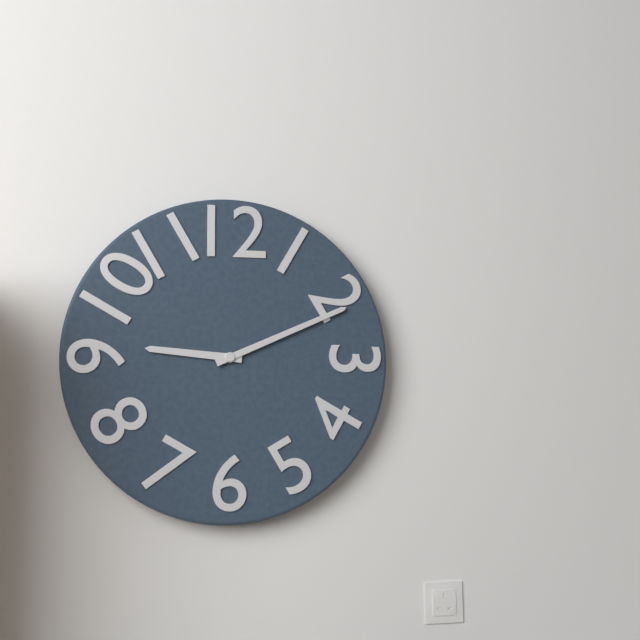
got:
9:11
